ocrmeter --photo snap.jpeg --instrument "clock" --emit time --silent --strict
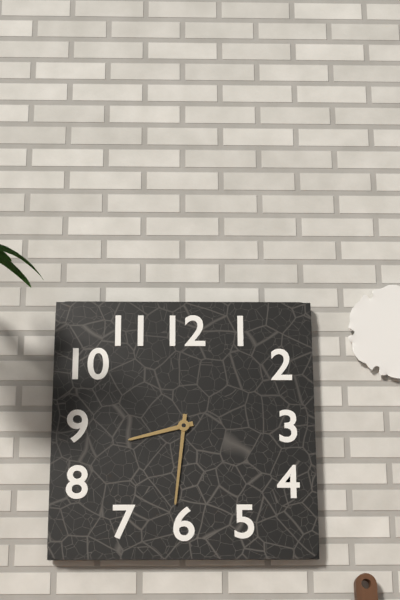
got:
8:31
